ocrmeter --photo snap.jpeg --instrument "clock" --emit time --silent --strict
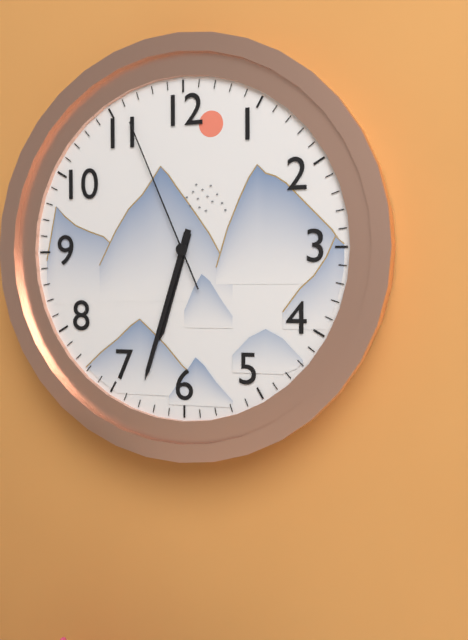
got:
6:33:56
